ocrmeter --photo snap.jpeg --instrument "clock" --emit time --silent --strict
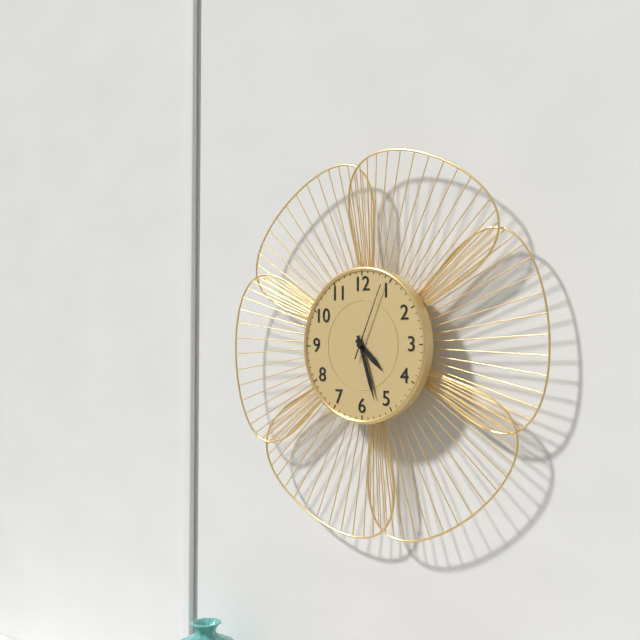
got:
4:27:04
